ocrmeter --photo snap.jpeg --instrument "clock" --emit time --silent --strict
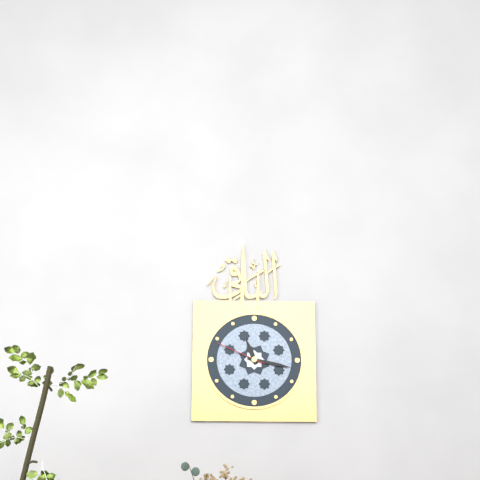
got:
11:17:49
